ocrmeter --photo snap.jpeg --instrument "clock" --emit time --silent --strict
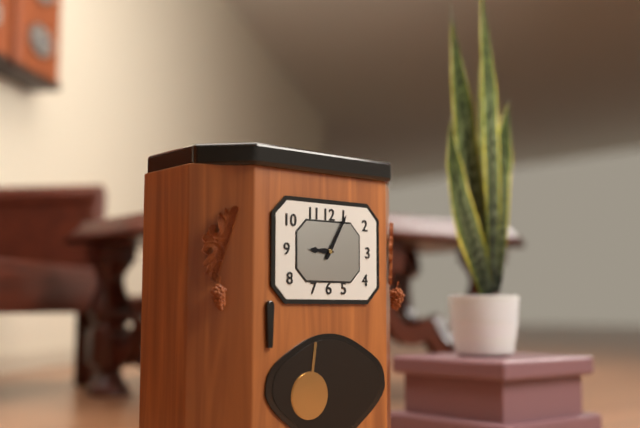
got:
9:05
